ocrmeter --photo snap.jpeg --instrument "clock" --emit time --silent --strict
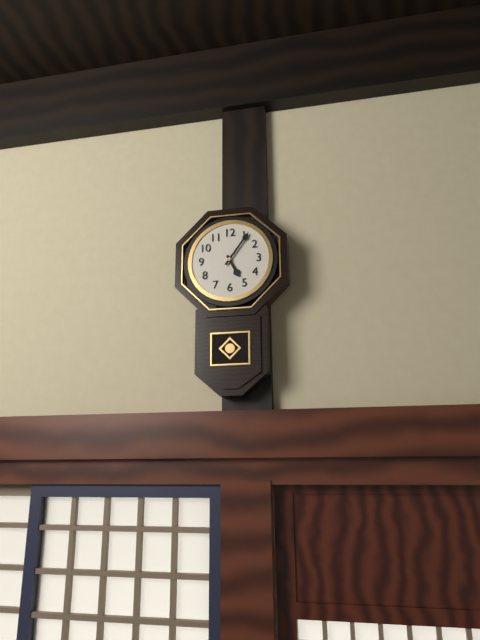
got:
5:06
